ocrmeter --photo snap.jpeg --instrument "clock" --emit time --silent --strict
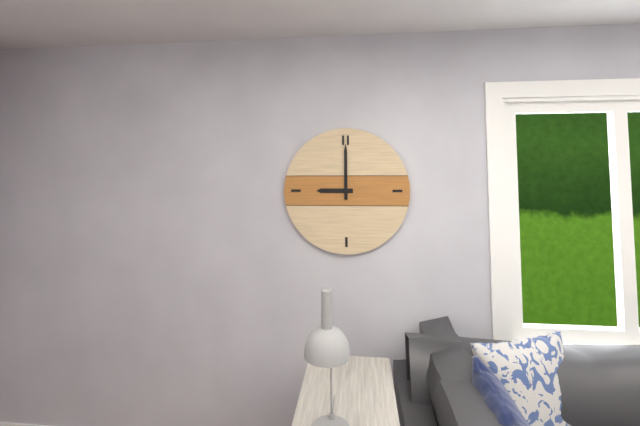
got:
9:00
